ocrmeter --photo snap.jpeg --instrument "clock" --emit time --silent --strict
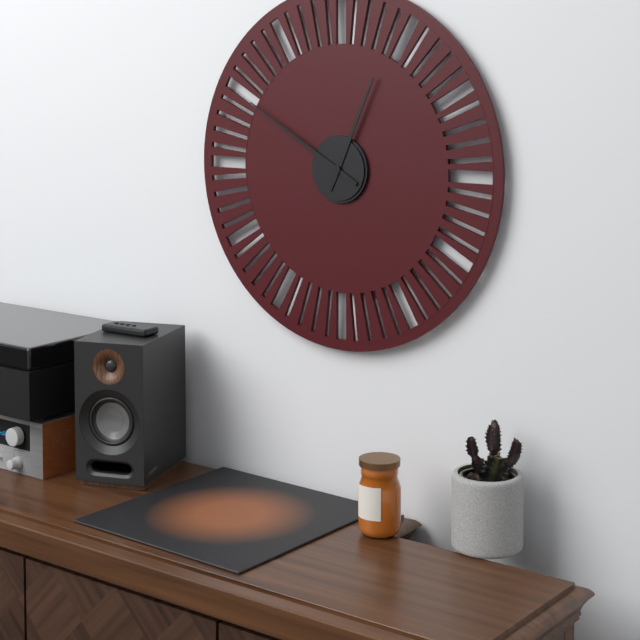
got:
12:50
